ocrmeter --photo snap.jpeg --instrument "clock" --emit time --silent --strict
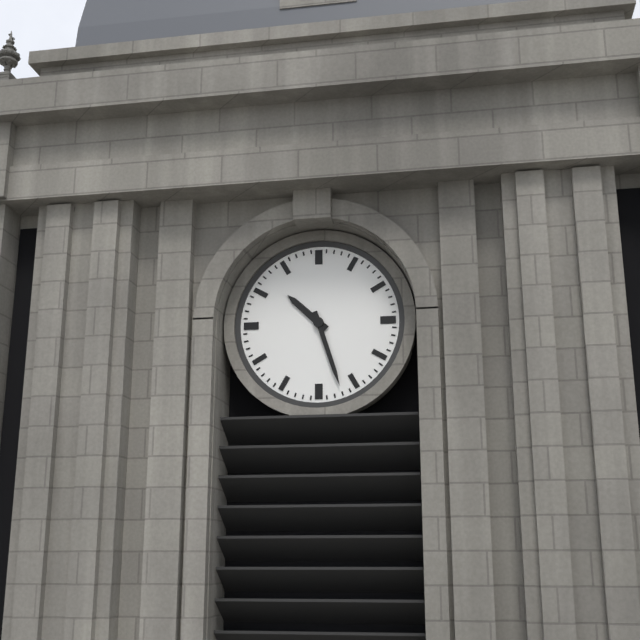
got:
10:27
